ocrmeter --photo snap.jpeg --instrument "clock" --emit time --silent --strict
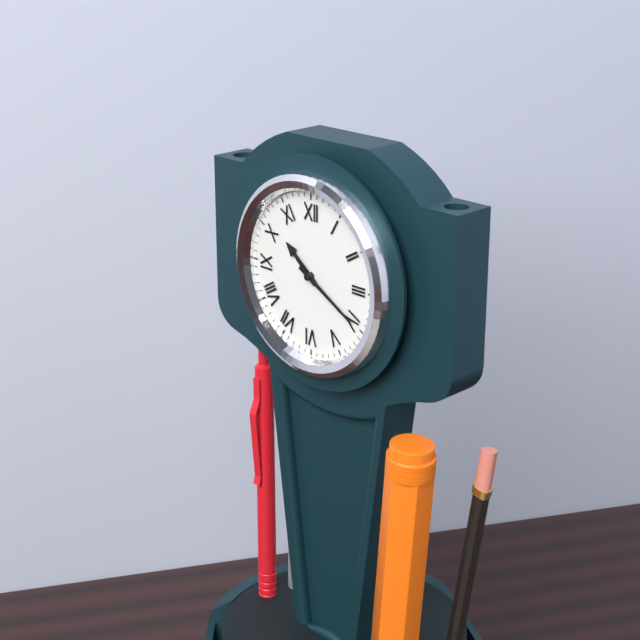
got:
10:20
